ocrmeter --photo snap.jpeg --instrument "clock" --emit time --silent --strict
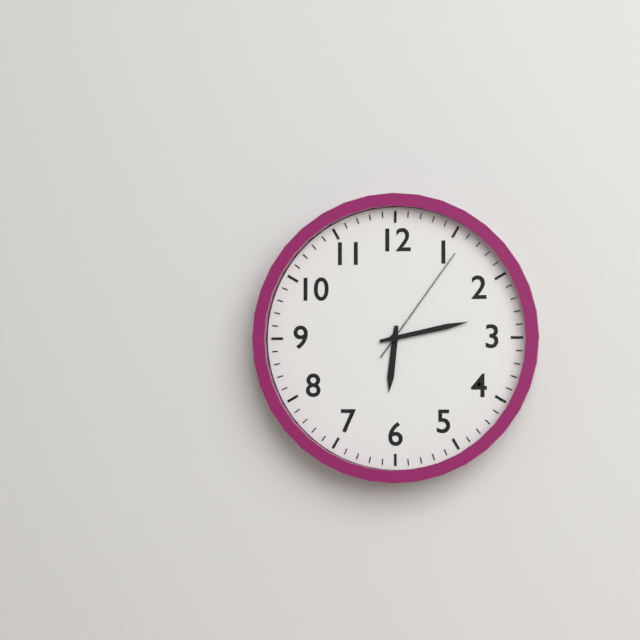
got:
6:13:06
